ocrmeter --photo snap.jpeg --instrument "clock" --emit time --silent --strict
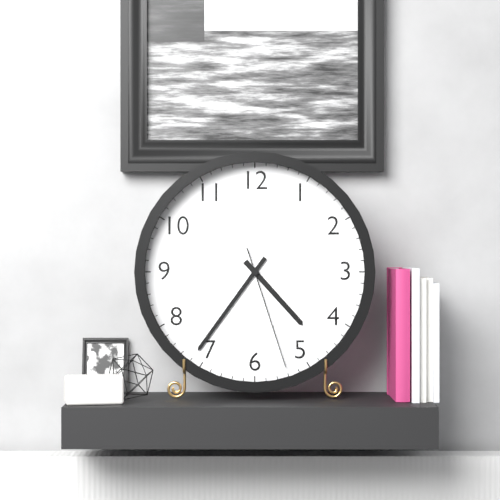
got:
4:36:27
